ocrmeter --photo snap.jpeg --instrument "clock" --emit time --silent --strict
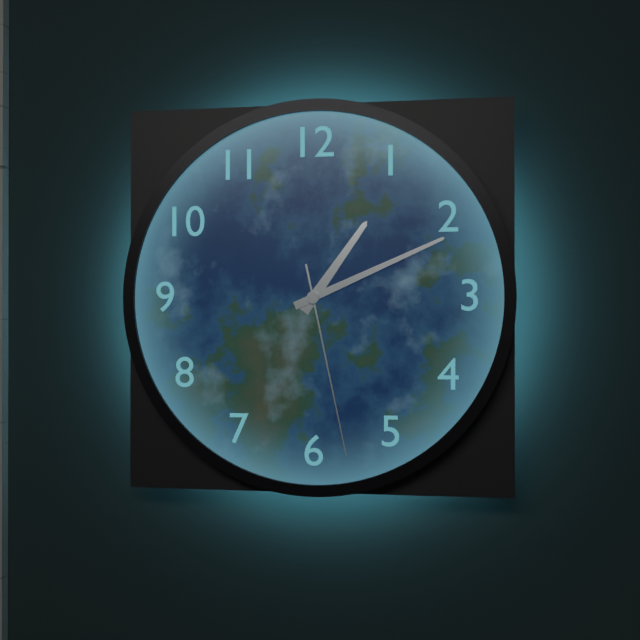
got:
1:11:28
